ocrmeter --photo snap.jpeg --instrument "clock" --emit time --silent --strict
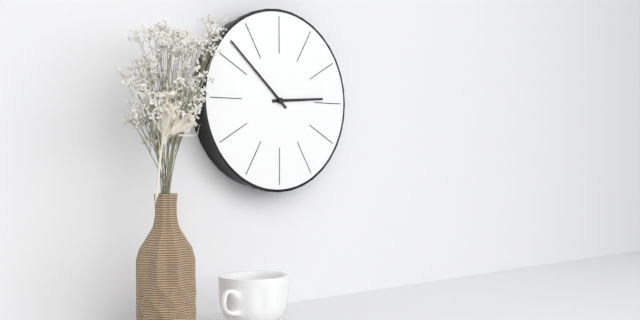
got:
2:52
